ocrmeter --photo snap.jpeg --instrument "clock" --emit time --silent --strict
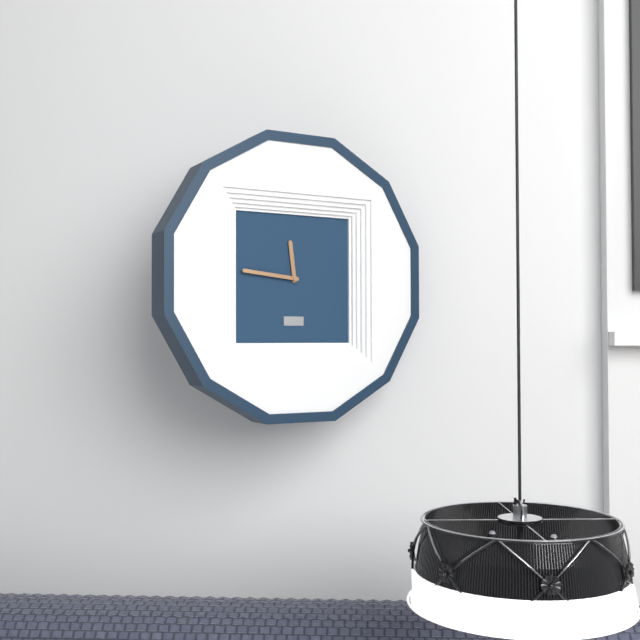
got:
11:46
